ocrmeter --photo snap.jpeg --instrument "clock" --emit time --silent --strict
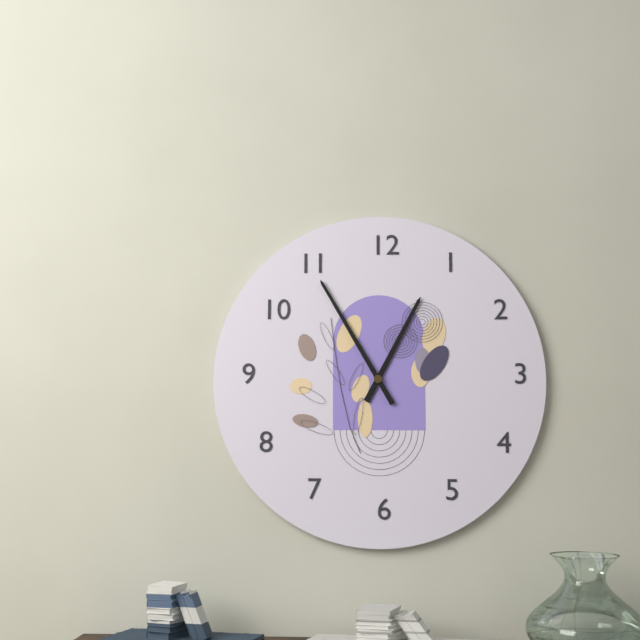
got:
12:55
